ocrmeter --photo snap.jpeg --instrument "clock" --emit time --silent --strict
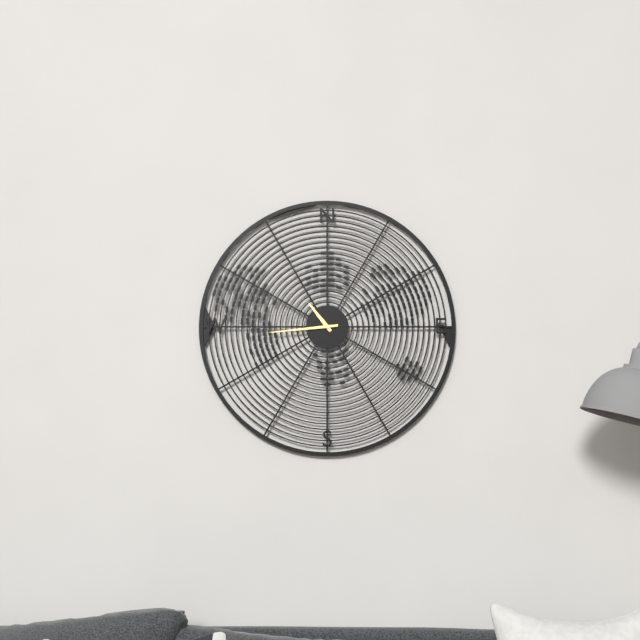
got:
10:44
